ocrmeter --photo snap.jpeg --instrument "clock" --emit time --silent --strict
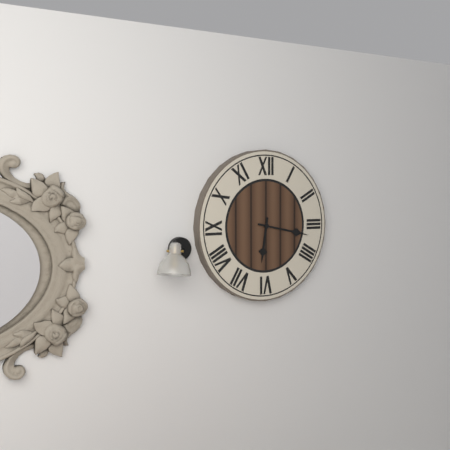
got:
6:17
